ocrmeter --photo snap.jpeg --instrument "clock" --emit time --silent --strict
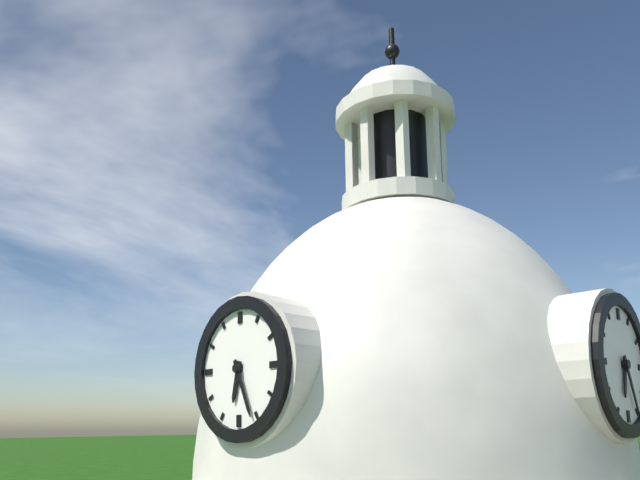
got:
6:26
